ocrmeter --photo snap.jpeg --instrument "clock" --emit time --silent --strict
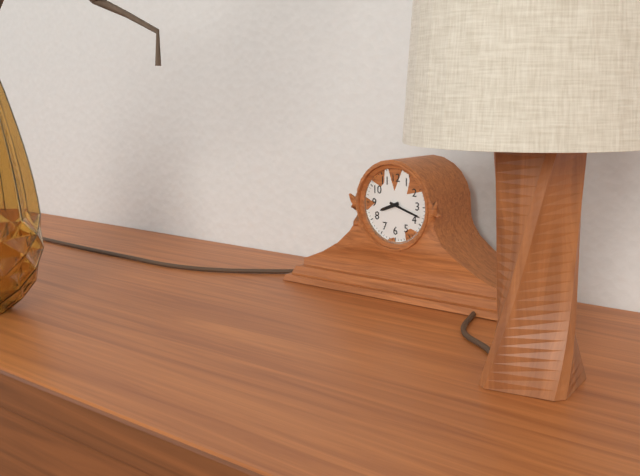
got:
8:18
